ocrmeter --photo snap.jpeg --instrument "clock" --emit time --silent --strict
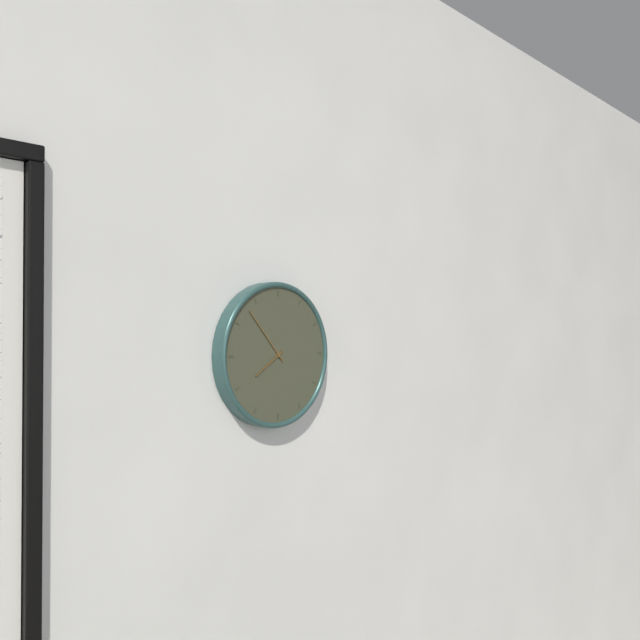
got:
7:53
